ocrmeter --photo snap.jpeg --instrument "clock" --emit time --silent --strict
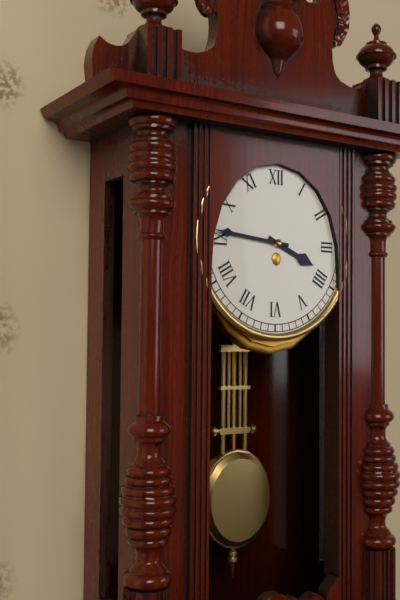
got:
3:46
